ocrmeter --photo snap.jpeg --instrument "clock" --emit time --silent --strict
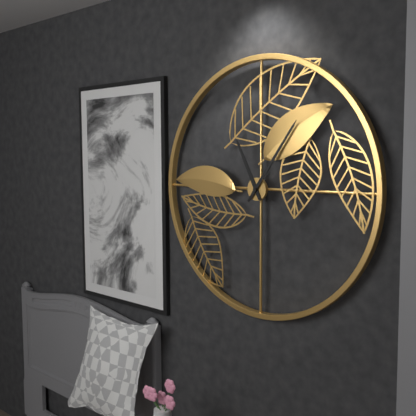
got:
11:06
